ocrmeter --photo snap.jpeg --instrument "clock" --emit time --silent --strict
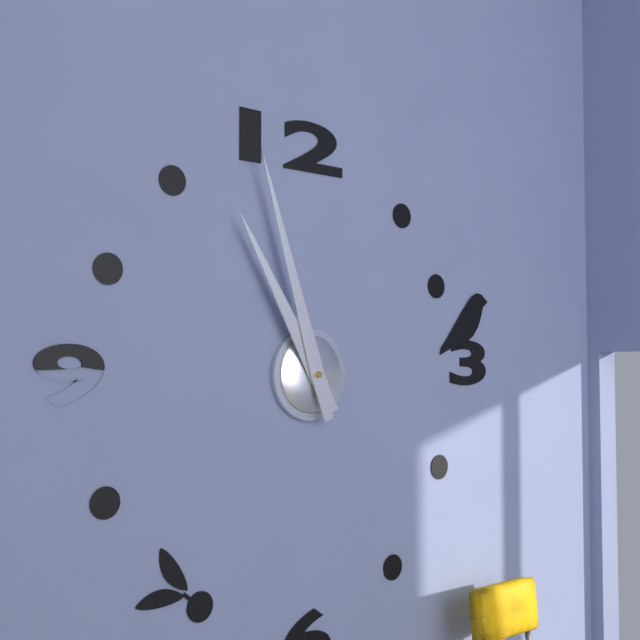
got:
10:57
